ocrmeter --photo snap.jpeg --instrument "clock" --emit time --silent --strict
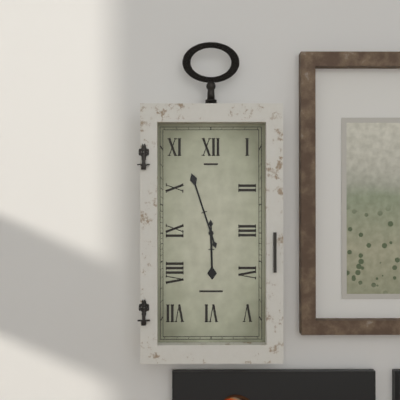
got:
5:57
